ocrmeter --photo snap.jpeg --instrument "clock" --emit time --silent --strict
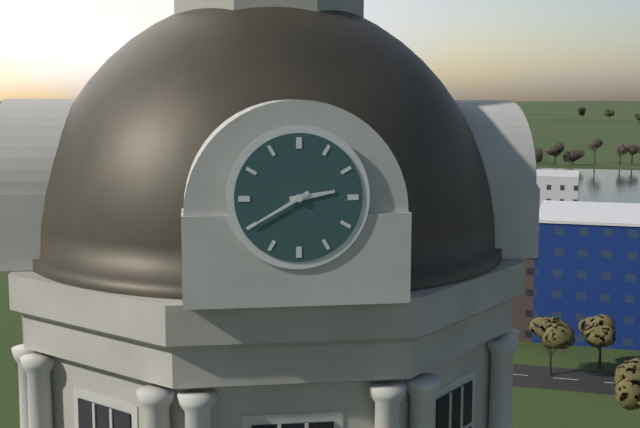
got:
2:40
